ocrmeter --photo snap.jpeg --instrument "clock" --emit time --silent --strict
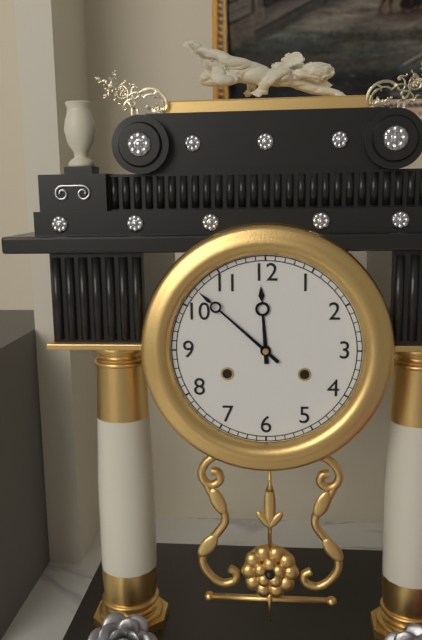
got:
11:52
